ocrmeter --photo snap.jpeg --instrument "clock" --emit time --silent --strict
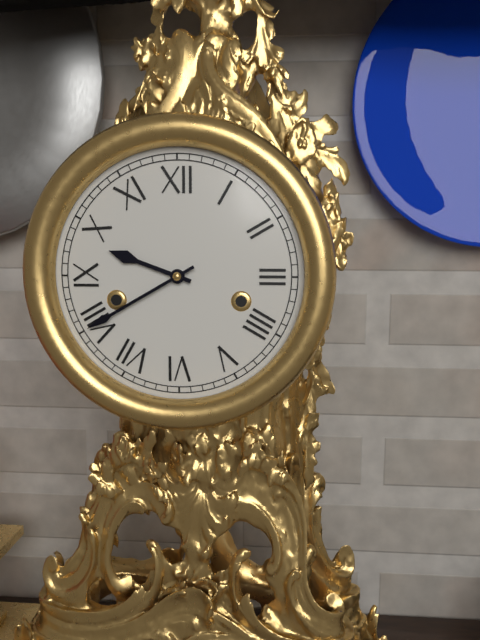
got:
9:40
